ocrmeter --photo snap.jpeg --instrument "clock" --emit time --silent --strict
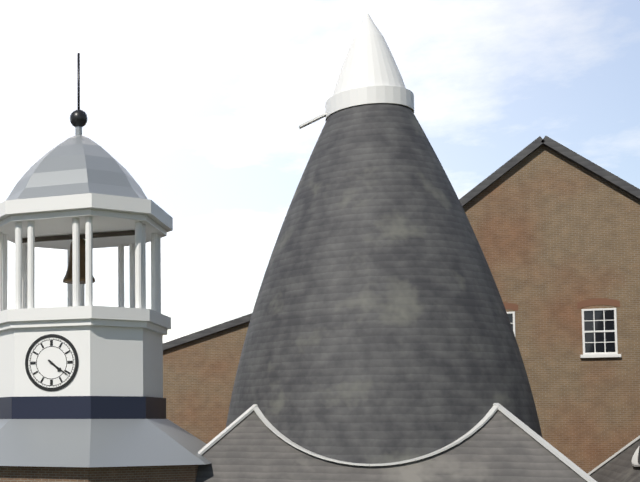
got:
4:21
